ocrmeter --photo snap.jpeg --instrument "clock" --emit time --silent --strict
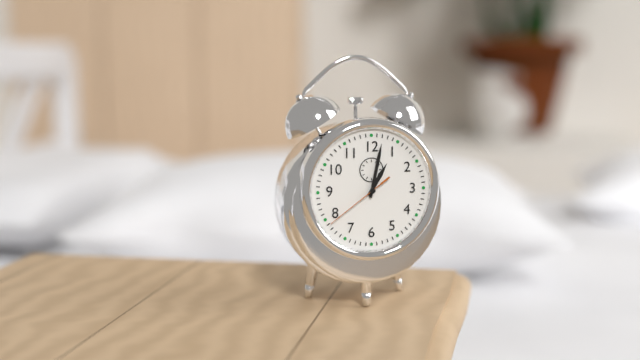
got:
1:02:39
